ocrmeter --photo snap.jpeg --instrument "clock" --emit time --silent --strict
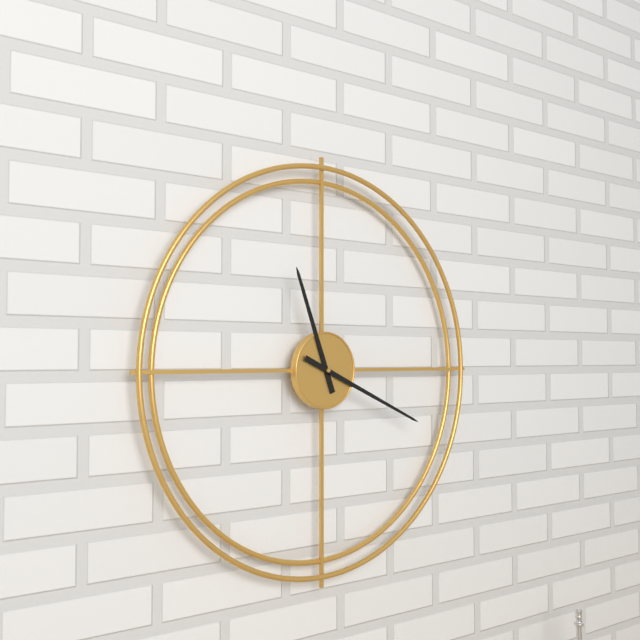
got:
11:19
